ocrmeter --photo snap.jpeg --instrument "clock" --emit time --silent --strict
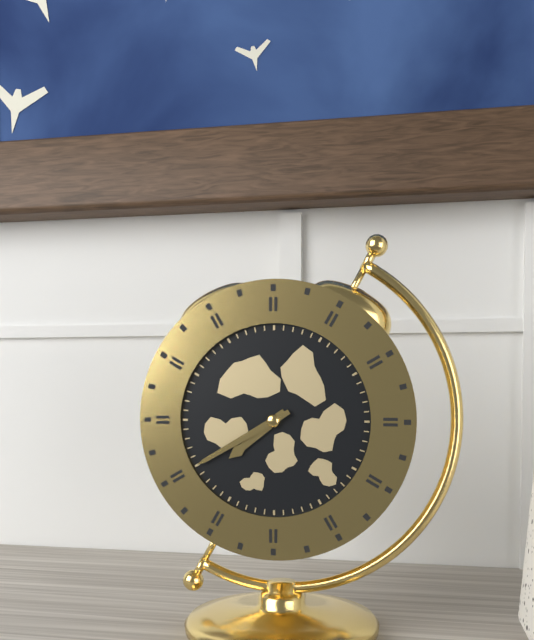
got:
7:40
